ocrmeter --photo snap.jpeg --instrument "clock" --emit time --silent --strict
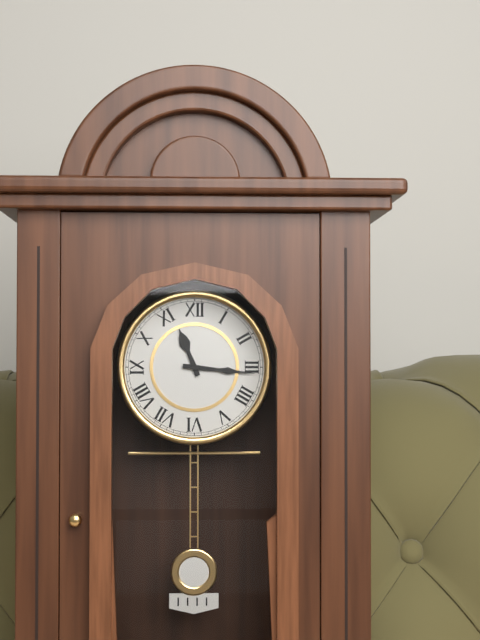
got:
11:16
